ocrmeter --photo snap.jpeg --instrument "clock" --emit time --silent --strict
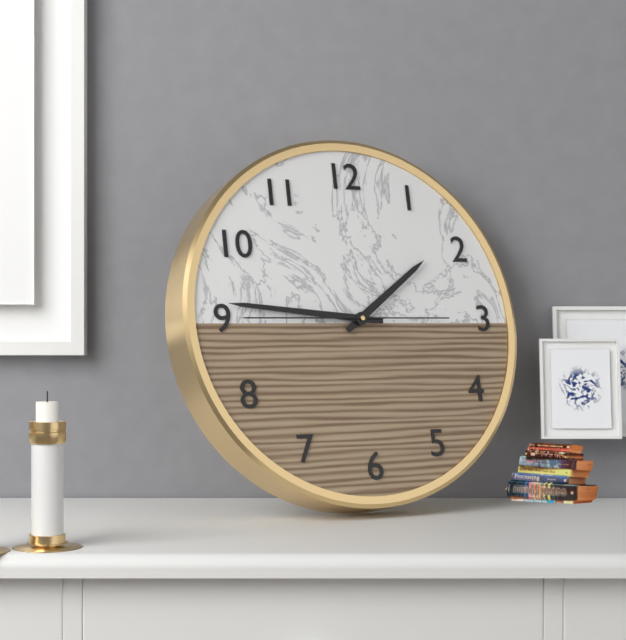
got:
1:46:45
